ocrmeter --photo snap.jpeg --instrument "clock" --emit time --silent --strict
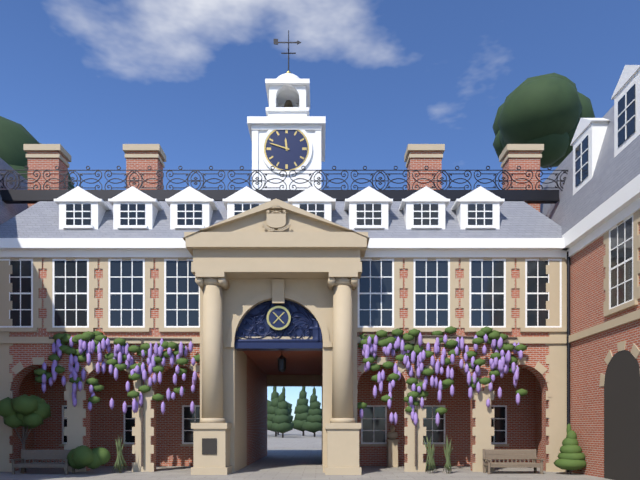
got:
11:48
